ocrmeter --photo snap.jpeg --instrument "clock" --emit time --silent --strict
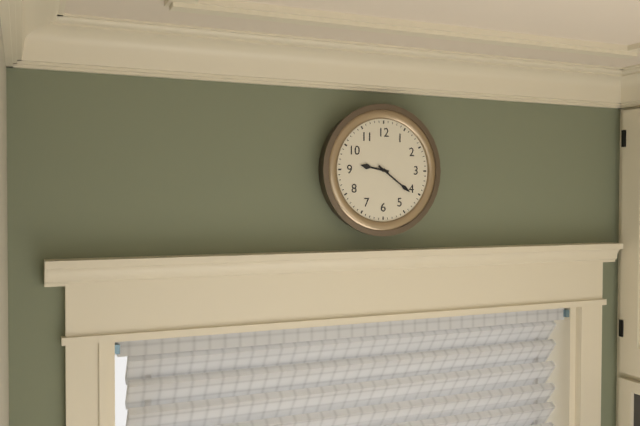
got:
9:21
